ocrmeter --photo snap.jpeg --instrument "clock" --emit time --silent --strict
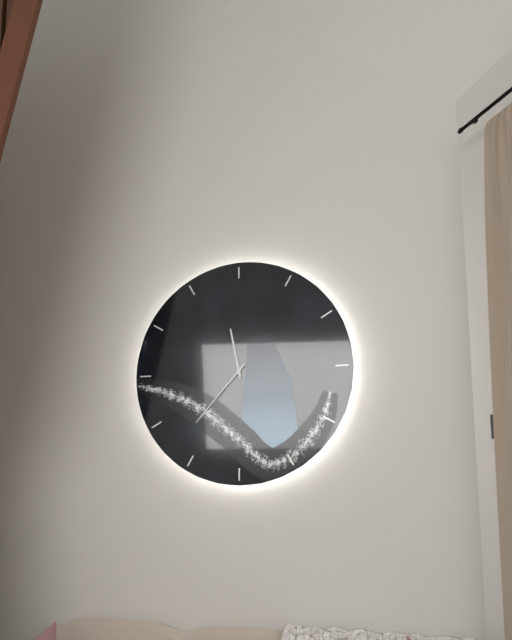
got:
11:37
